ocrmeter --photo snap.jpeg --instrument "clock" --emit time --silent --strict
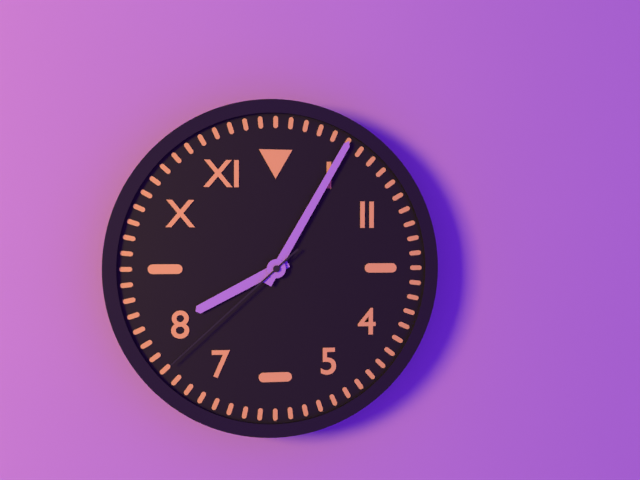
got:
8:05:38
